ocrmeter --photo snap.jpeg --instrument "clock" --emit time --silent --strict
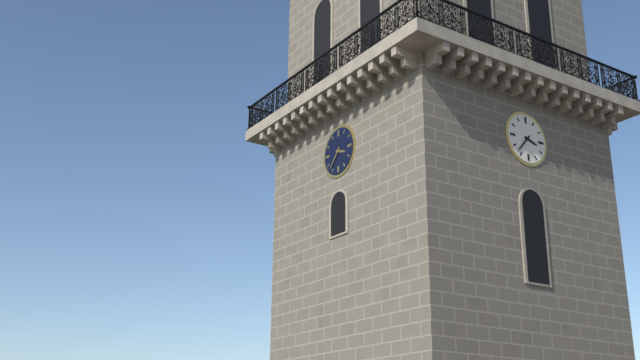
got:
3:37
